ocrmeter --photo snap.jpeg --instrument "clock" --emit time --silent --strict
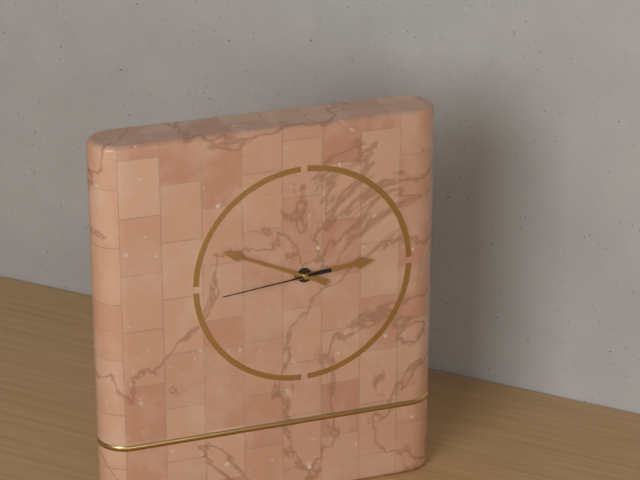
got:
2:49:44
